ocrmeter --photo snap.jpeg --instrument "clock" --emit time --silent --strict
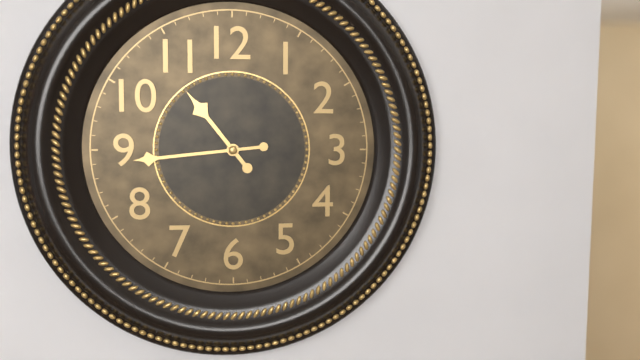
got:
10:44
